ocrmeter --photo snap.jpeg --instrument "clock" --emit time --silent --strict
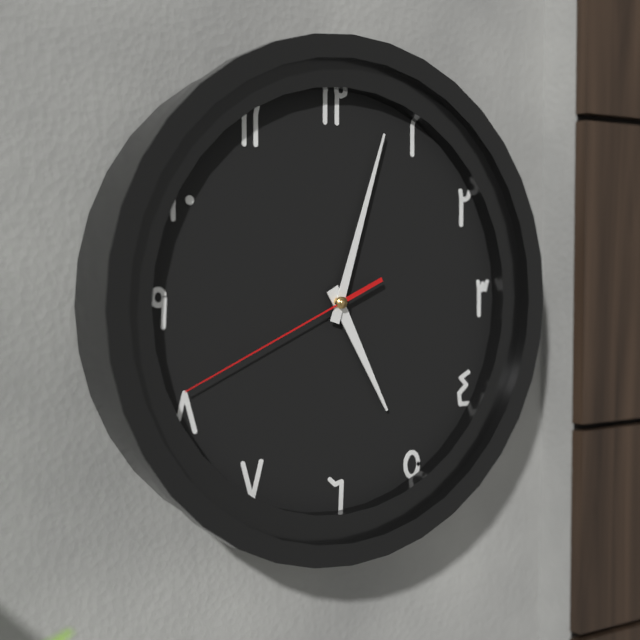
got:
5:03:41
